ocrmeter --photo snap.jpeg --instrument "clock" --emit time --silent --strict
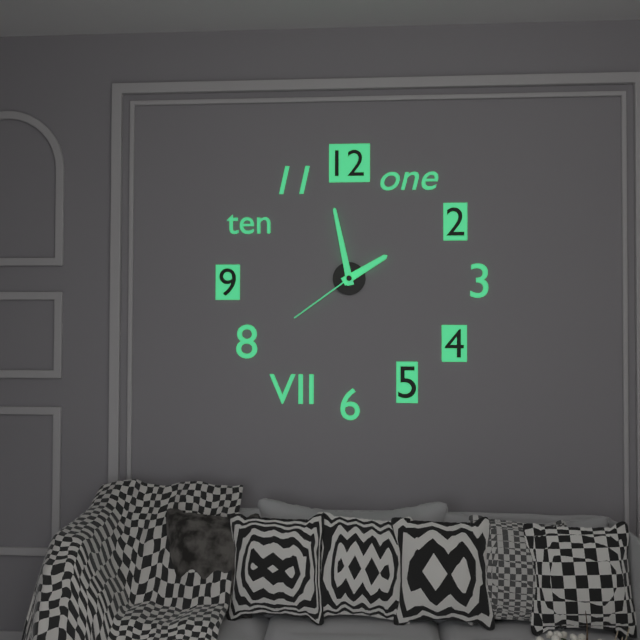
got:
1:58:39
